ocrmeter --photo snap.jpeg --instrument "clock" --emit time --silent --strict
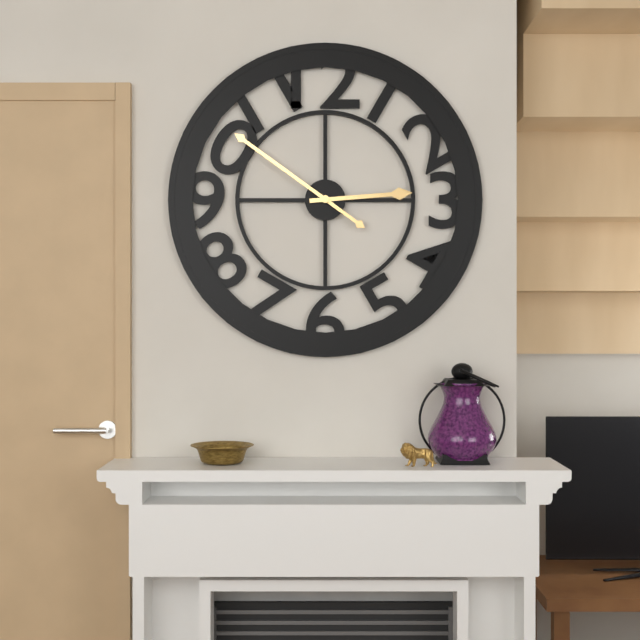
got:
2:51
